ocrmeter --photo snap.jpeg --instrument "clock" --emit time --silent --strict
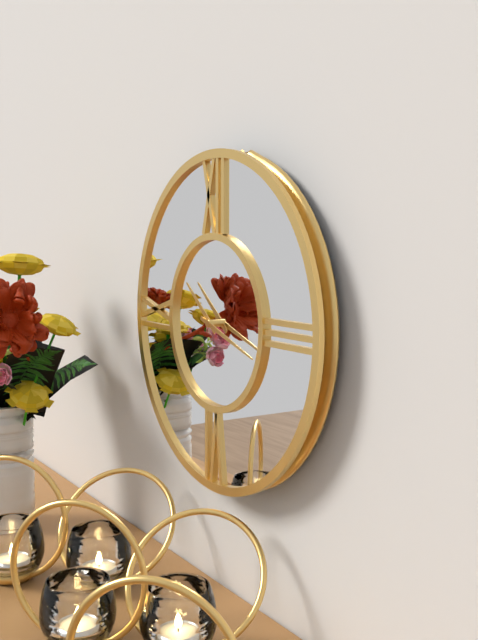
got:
10:18
